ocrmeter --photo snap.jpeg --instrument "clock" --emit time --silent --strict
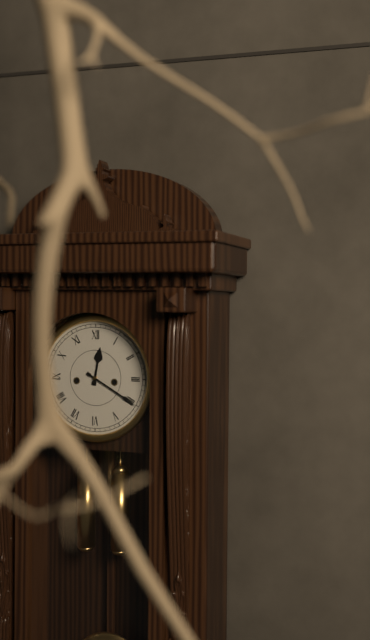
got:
12:20
